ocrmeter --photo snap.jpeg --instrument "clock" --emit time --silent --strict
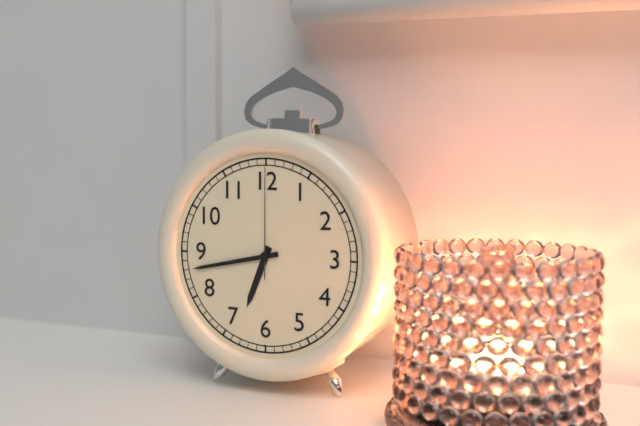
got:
6:43:00
